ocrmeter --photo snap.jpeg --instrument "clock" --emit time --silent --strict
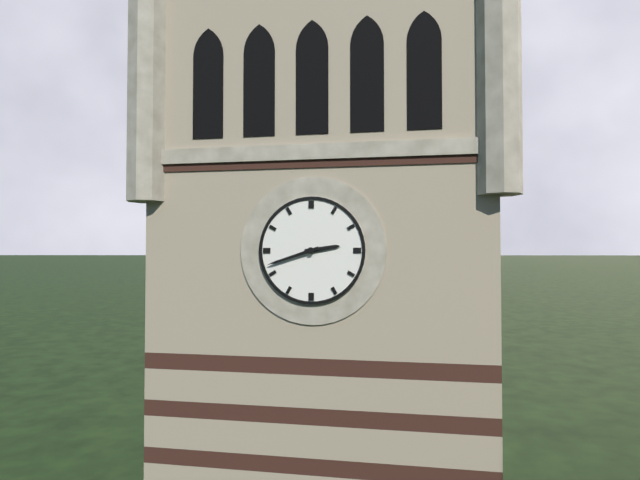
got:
2:42
